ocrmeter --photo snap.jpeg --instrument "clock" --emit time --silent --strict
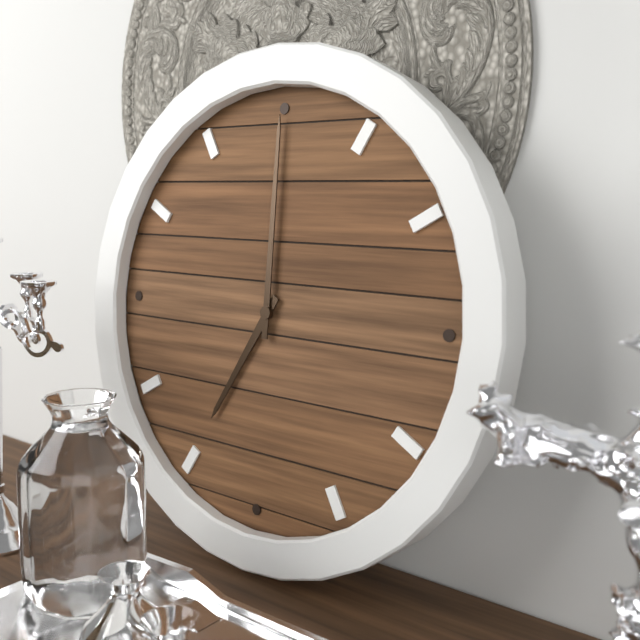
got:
7:00
